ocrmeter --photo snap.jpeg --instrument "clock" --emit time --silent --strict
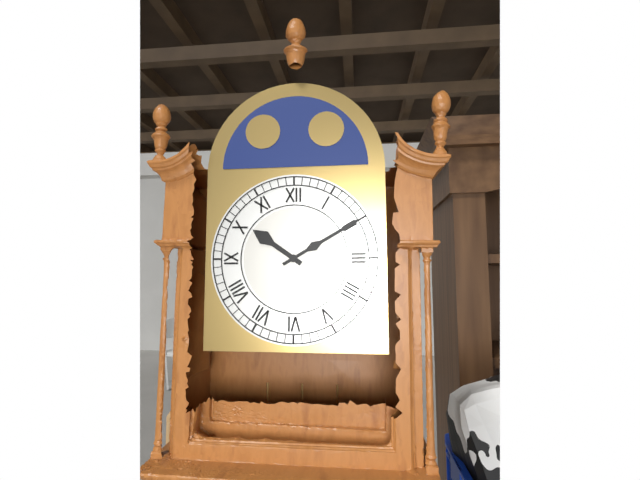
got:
10:10
